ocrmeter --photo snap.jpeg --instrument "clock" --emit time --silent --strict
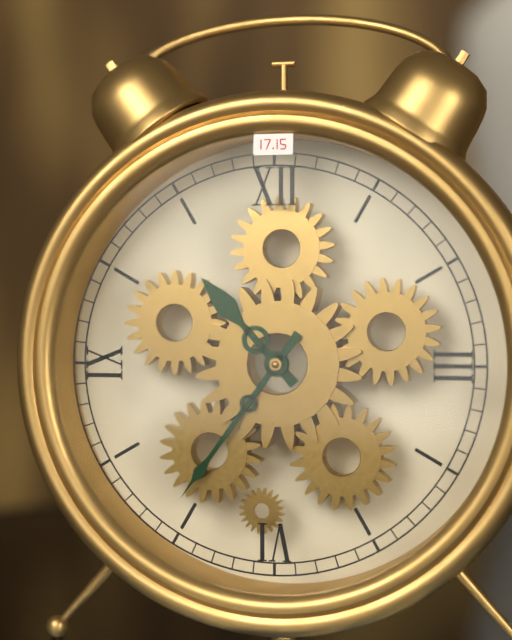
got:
10:36
